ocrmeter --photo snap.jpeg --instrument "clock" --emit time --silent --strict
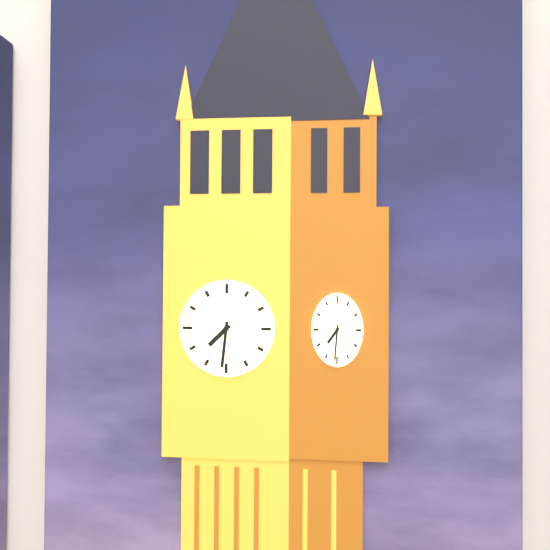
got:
7:31
